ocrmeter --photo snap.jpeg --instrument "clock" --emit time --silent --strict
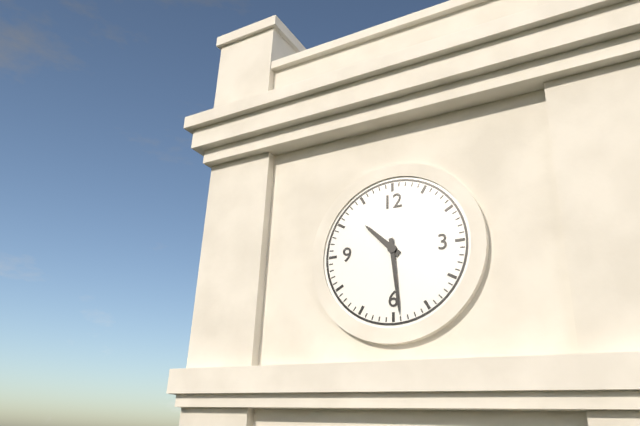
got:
10:29
